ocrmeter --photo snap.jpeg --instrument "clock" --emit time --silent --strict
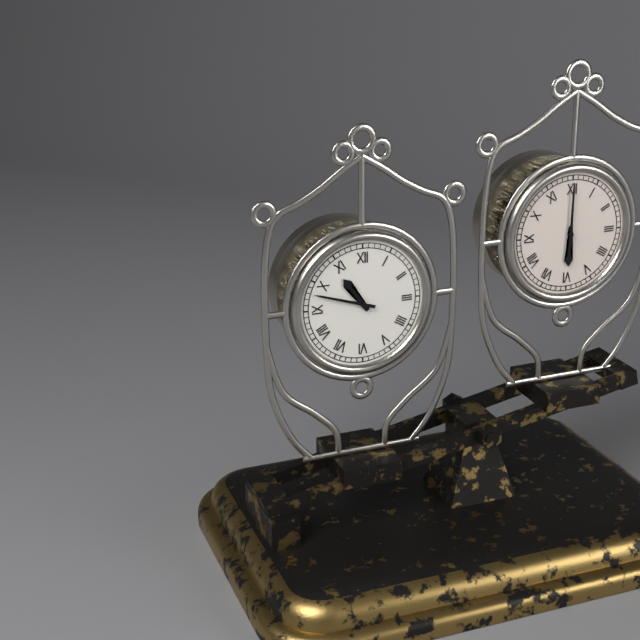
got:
10:48
